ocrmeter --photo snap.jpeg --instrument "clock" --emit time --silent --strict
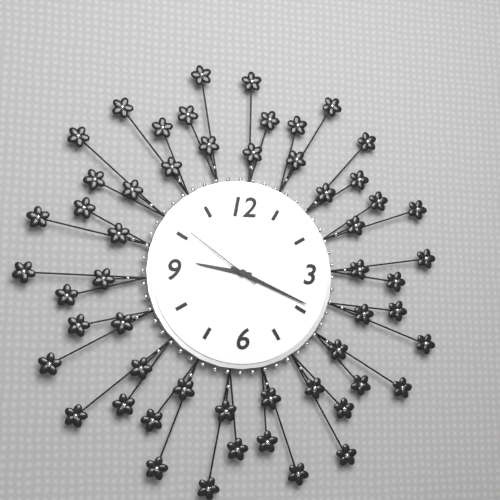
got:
9:19:51
